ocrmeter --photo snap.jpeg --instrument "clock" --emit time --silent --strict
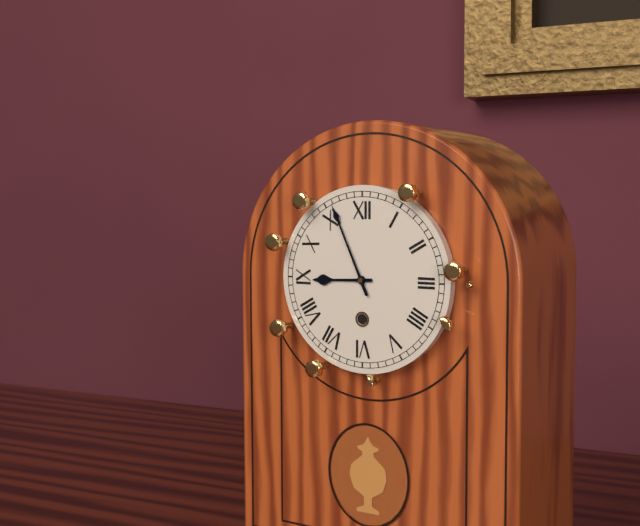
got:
8:56
